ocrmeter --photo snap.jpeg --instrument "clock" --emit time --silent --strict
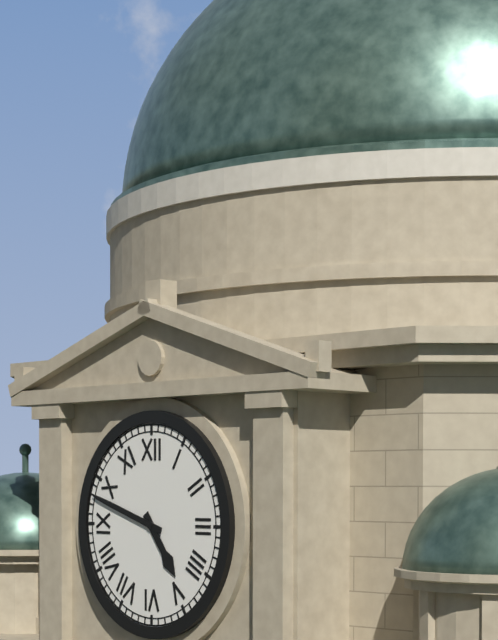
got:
4:48
